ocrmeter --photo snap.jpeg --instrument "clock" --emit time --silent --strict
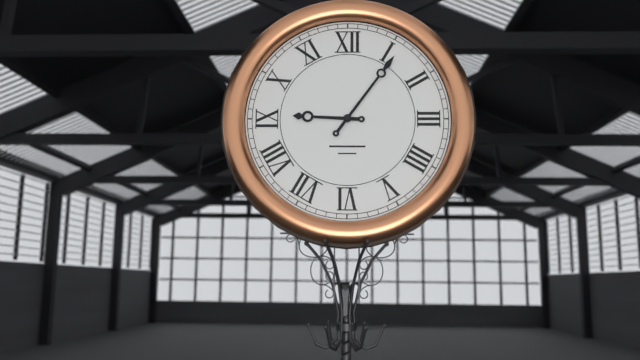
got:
9:06
